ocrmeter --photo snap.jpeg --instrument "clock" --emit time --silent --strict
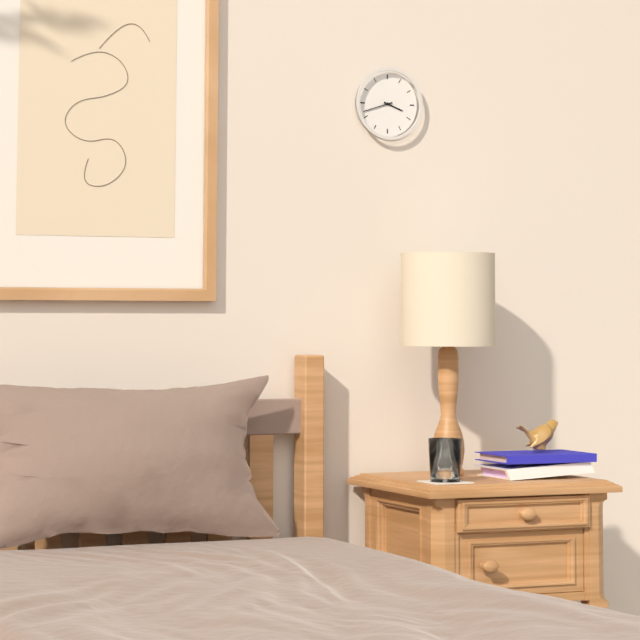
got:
3:42
